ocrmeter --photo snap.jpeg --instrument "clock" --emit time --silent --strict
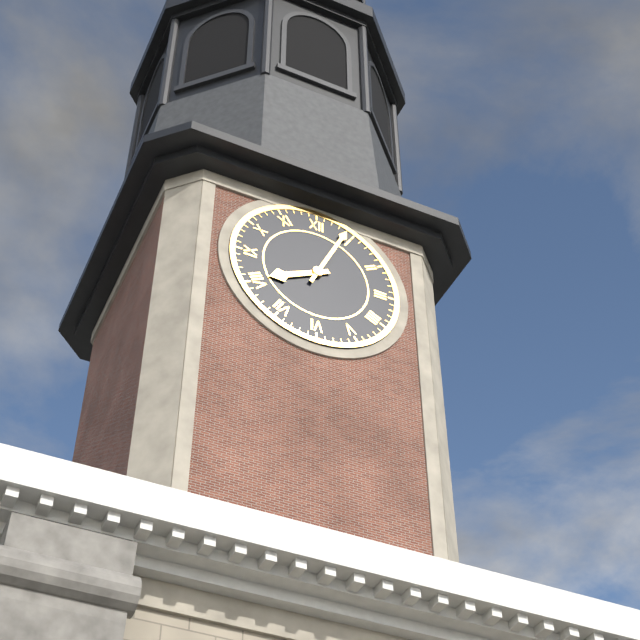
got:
8:04
